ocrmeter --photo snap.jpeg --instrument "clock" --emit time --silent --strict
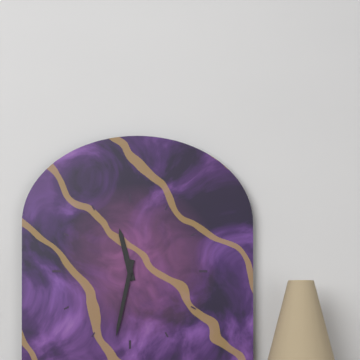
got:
11:32
